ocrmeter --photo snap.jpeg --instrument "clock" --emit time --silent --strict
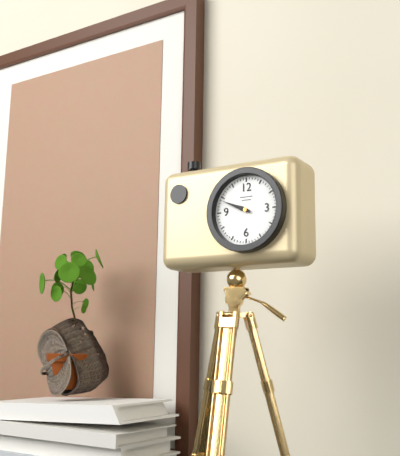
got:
9:49
